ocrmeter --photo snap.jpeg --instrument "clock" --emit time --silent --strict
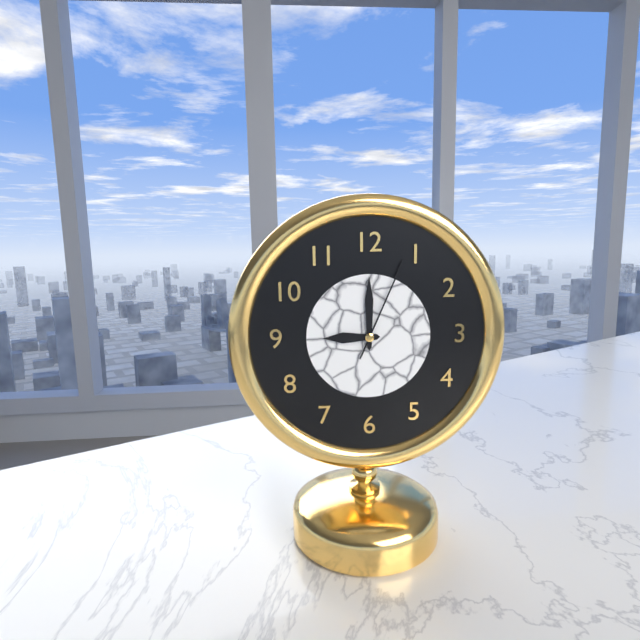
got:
9:00:04
